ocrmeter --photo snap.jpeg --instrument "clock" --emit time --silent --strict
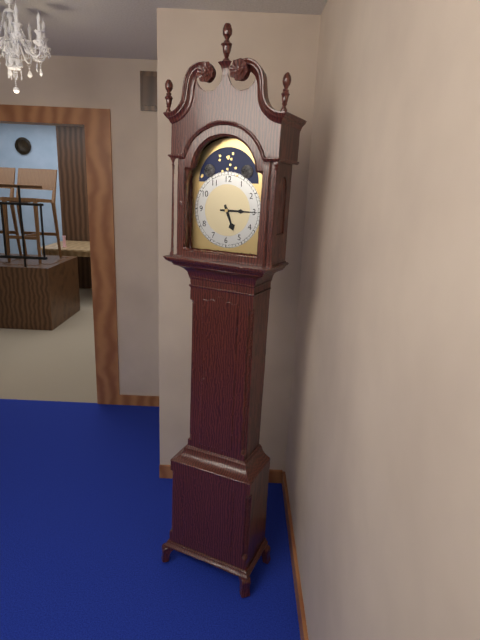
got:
5:15
